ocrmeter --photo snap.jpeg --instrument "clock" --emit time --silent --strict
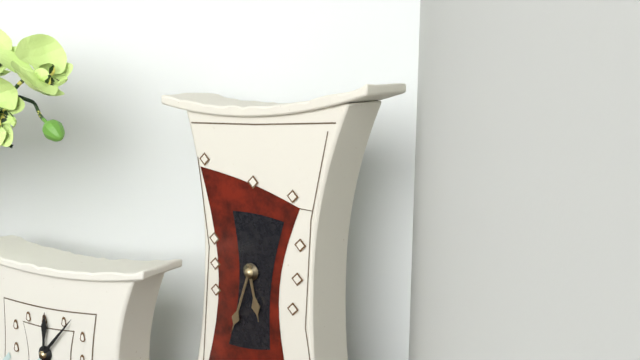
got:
5:33
